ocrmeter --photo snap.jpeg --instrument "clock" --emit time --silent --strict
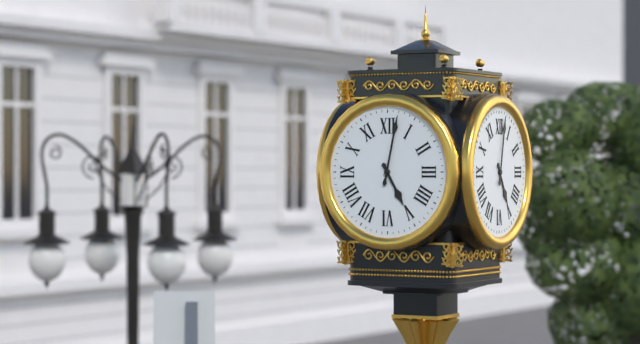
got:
5:02
